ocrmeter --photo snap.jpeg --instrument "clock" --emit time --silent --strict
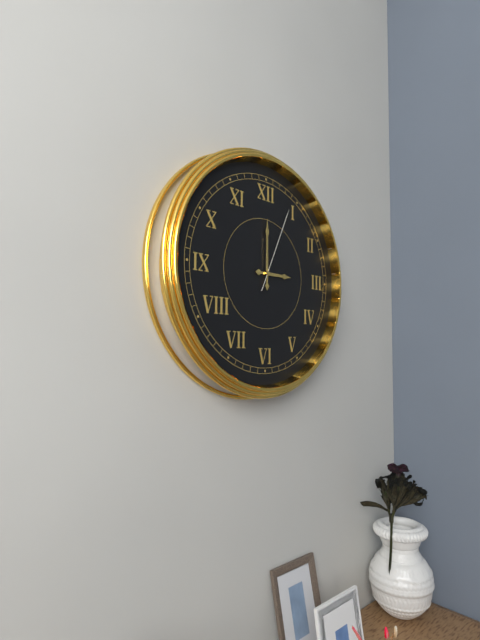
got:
3:00:04
